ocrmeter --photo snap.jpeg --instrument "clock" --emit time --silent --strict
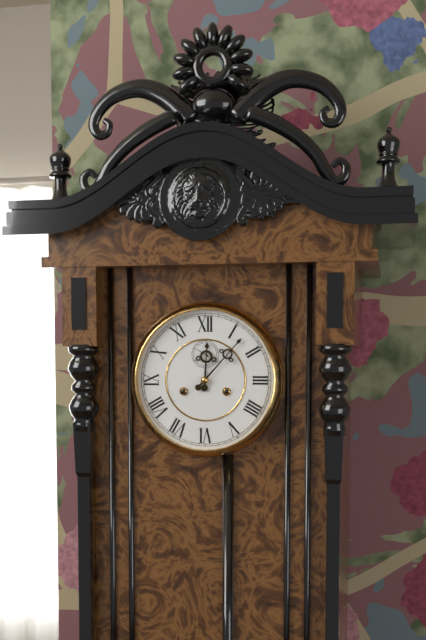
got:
12:07
